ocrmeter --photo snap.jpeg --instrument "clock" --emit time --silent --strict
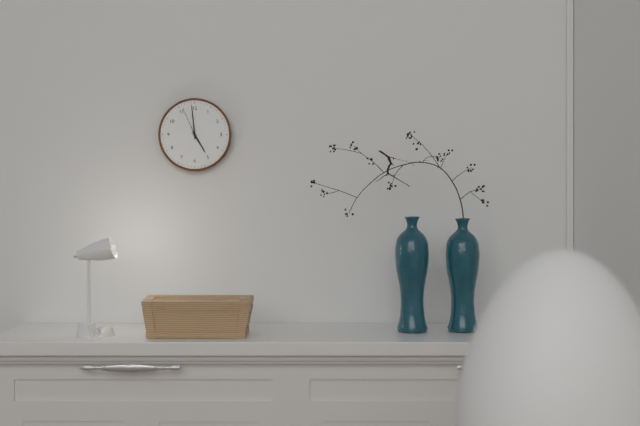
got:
4:59
